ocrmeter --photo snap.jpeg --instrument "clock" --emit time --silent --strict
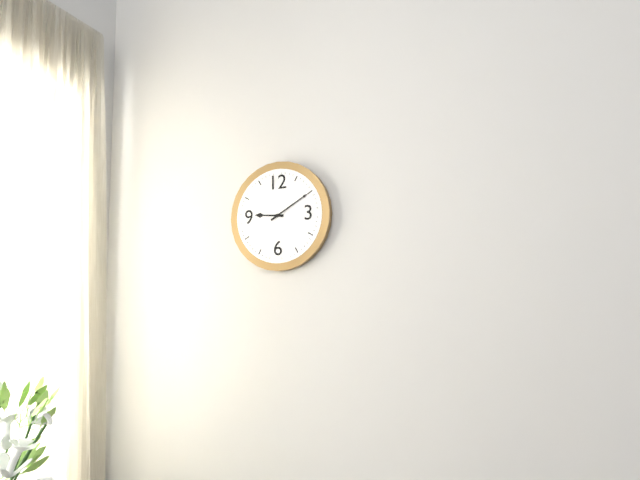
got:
9:10
